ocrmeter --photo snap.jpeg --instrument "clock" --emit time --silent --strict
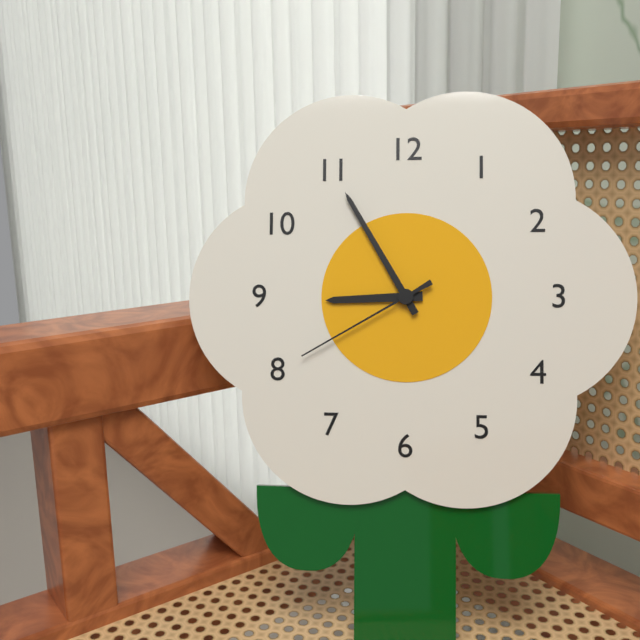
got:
8:55:40
